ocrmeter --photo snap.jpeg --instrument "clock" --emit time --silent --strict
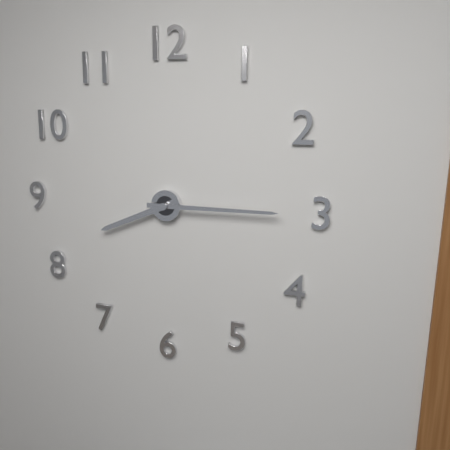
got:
8:15
